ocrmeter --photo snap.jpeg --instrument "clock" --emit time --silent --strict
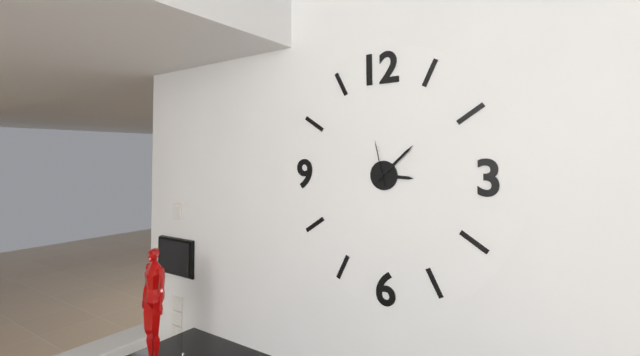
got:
3:08
